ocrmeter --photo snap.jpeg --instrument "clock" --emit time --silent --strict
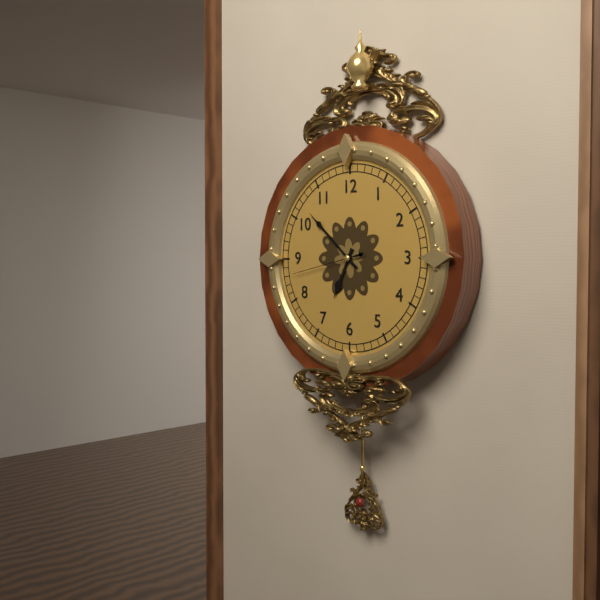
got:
6:52:43
